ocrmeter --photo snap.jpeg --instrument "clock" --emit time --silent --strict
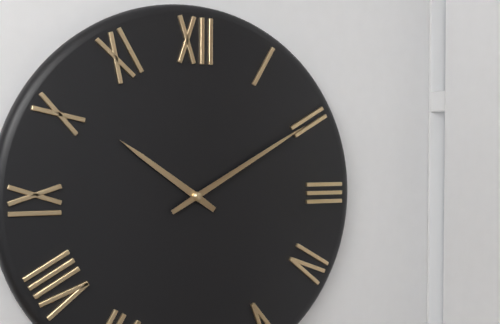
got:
10:10
